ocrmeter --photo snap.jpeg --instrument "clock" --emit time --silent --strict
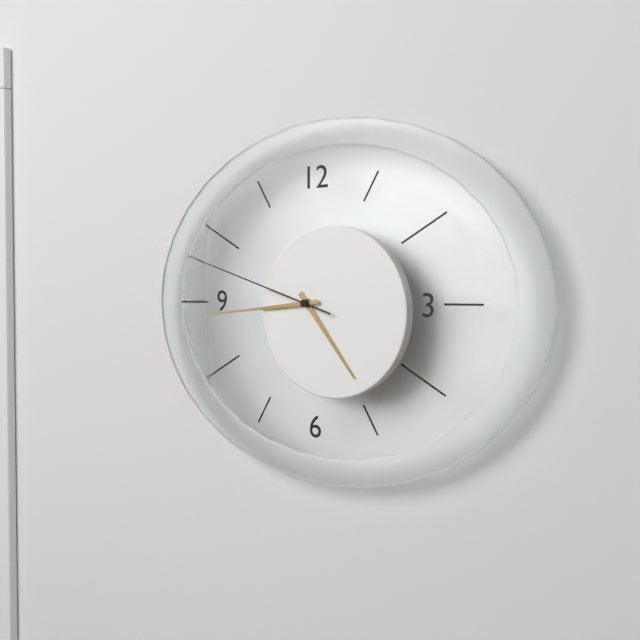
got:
4:44:48
